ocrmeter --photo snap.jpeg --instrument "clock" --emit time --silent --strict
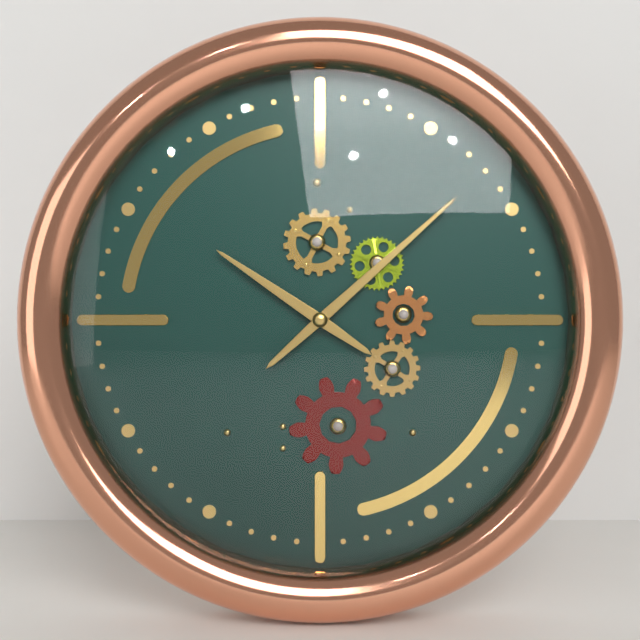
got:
10:08
